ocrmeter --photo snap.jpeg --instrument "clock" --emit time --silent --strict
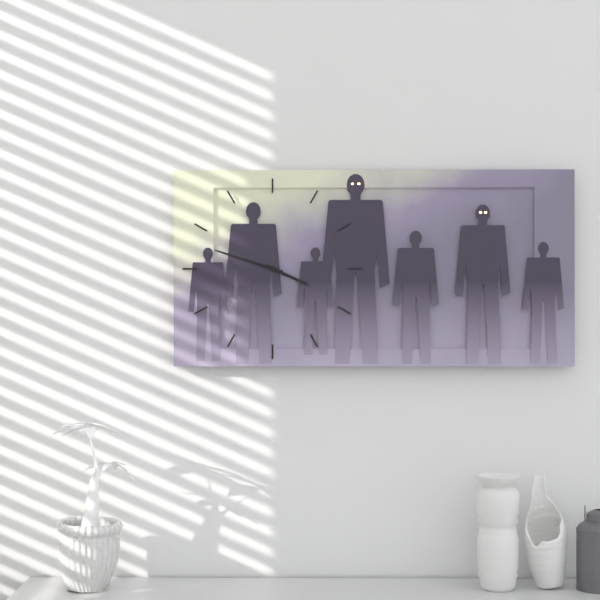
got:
3:48
